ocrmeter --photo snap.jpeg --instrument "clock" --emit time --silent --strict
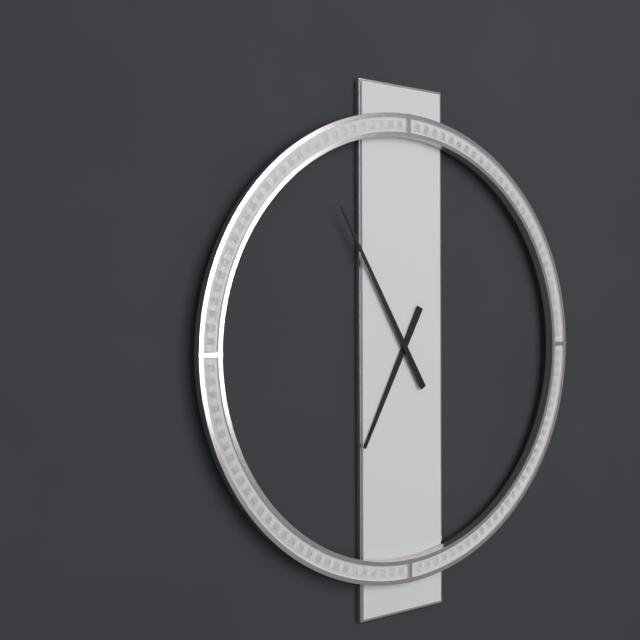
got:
6:55
